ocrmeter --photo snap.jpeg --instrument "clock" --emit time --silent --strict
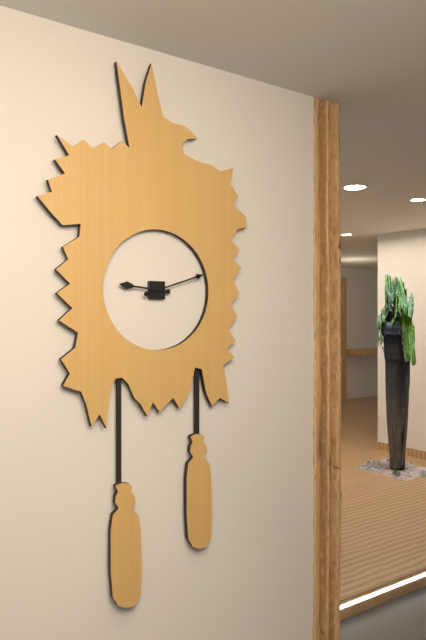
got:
9:12
